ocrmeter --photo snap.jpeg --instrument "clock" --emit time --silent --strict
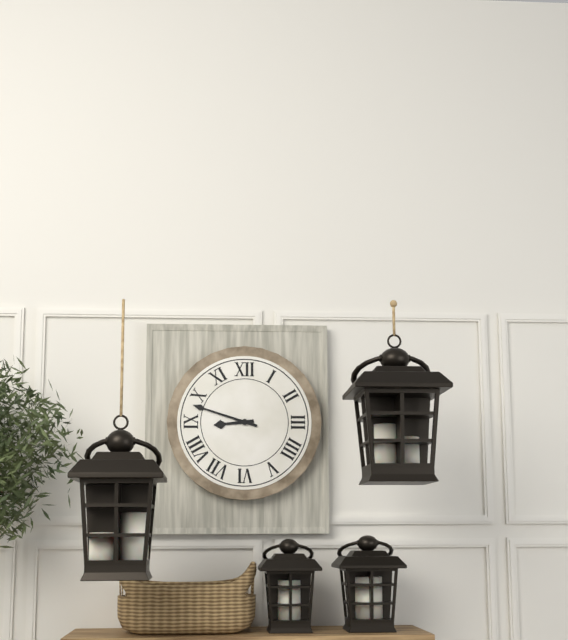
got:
8:48
